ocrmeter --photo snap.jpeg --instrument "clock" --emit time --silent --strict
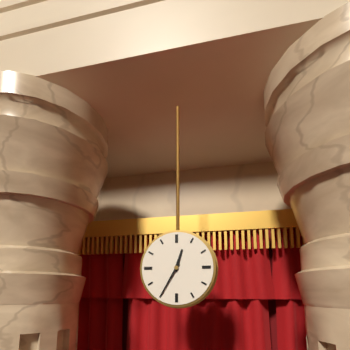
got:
12:35
